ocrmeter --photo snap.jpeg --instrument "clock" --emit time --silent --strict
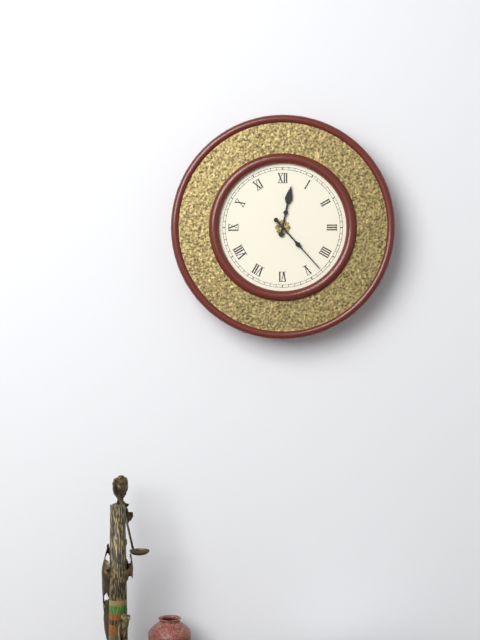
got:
12:23
